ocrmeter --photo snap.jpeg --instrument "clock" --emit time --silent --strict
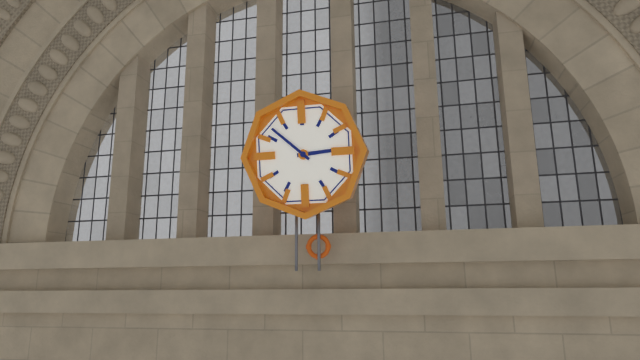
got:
2:52
